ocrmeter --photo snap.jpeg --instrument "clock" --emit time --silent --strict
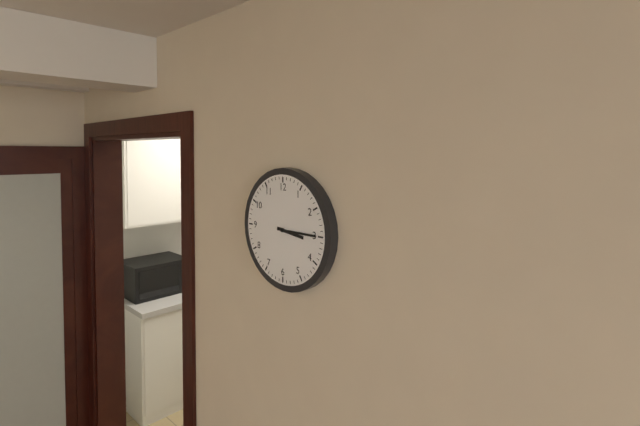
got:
3:15
